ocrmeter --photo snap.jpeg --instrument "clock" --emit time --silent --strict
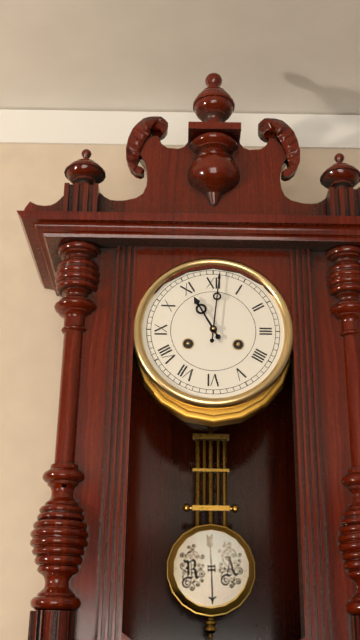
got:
11:01
